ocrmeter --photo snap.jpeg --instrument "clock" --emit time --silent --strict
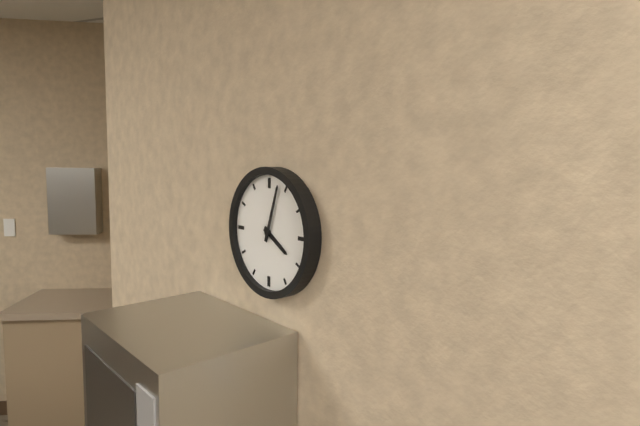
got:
4:03
